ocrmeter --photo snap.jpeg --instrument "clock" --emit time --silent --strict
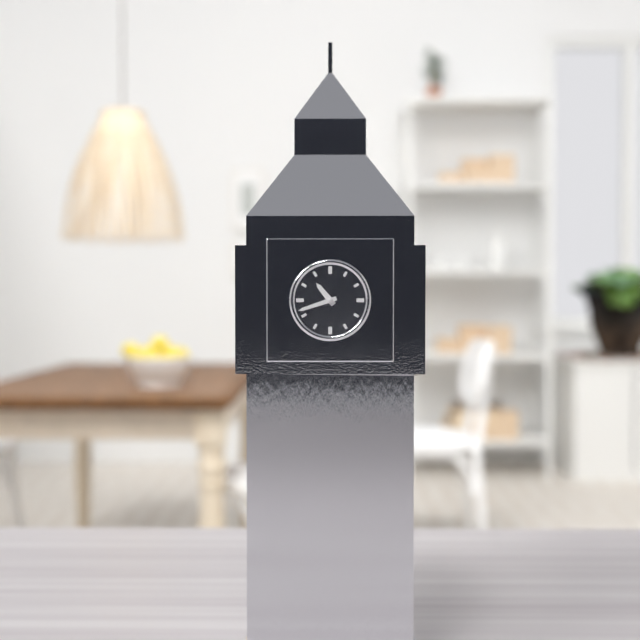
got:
10:42
